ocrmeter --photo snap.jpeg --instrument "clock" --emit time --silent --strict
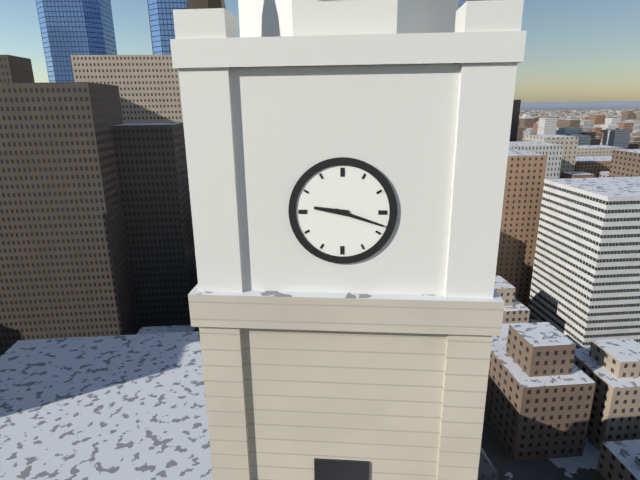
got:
9:18
